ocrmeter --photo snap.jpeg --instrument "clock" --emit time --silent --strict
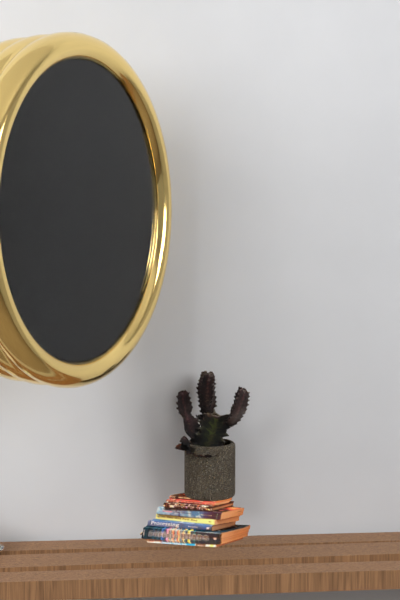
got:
4:21:16
